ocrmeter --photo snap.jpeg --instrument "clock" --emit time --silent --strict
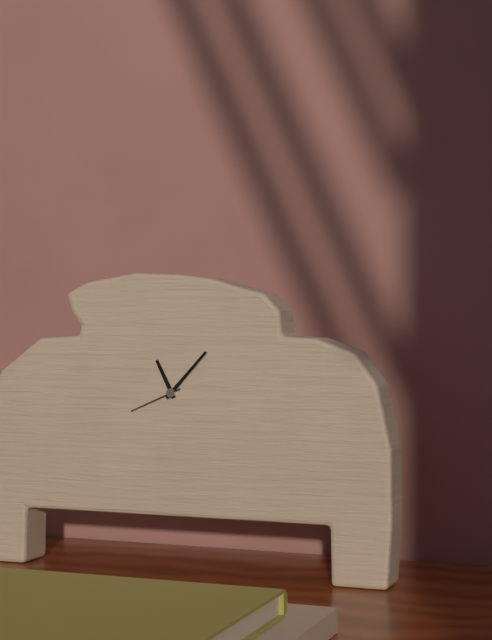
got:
11:07:41
